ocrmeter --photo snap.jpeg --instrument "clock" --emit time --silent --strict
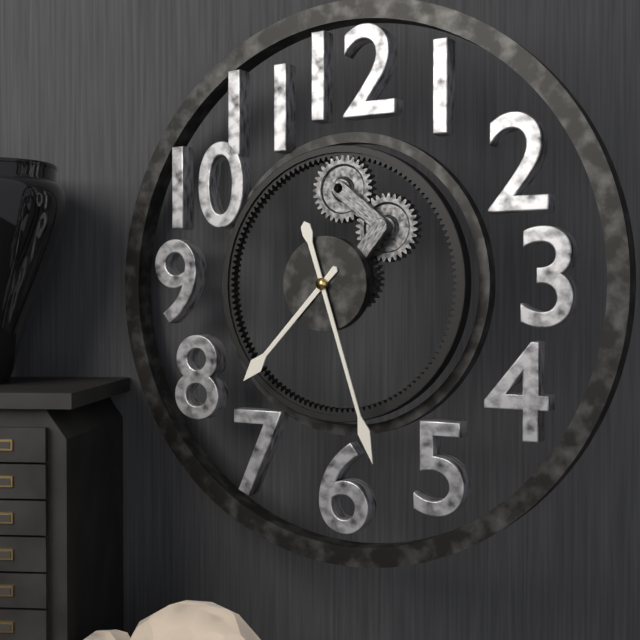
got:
7:27
